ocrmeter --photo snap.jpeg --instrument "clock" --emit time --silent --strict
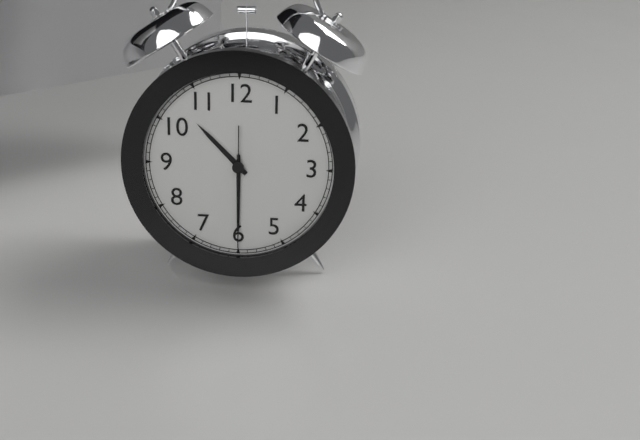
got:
10:30:30
